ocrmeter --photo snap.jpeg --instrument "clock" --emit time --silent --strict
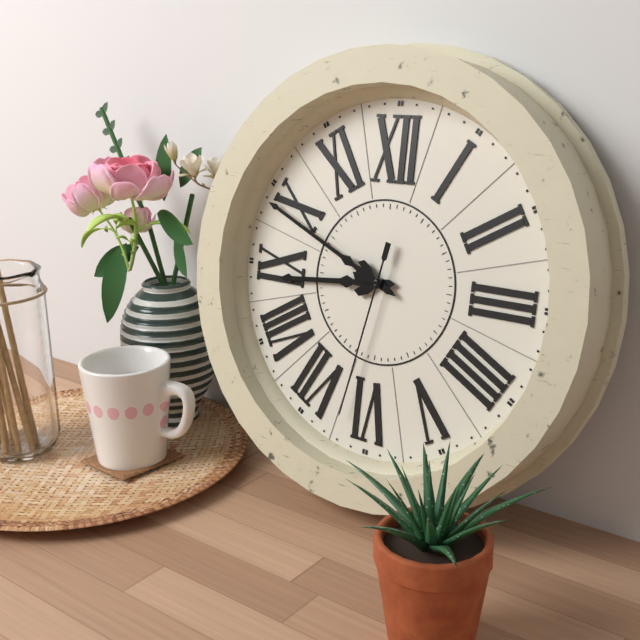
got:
8:49:32
